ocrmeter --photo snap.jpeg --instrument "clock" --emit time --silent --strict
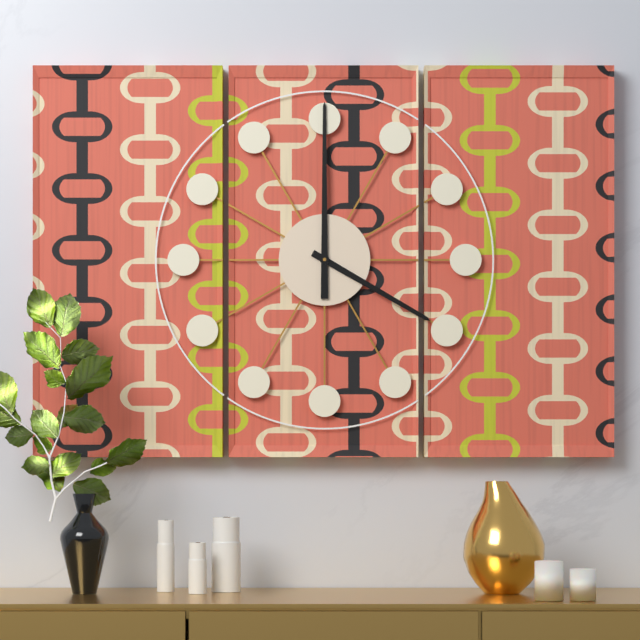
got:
4:00
